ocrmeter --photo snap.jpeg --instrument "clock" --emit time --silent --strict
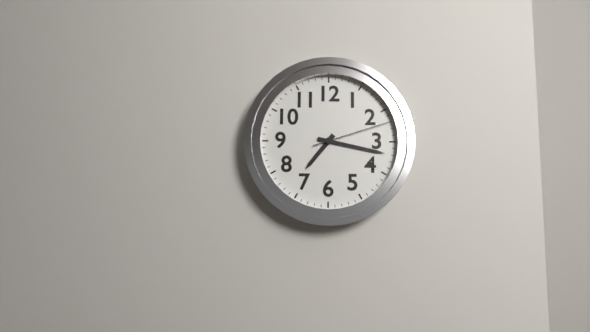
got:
7:17:12
